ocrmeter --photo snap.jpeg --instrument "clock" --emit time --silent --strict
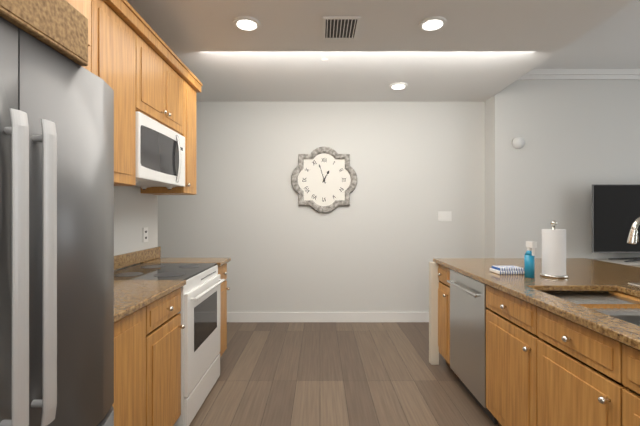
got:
12:57
